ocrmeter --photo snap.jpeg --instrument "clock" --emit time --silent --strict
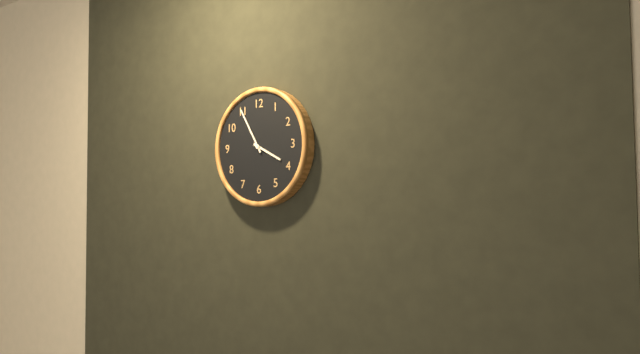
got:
3:55
